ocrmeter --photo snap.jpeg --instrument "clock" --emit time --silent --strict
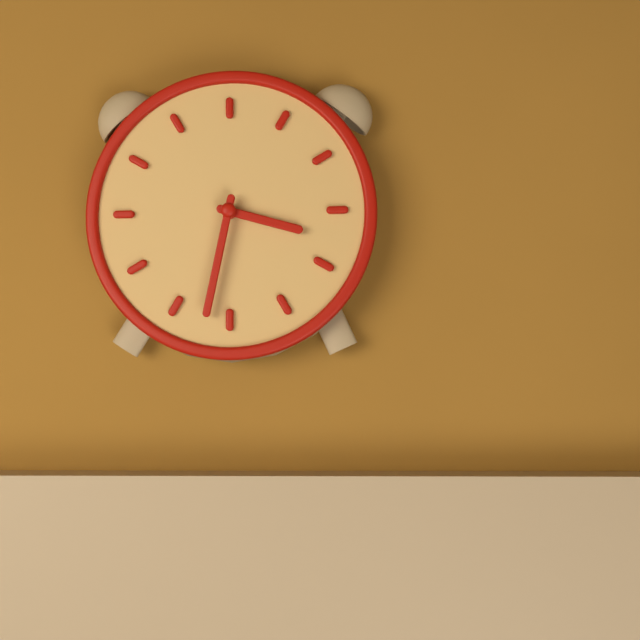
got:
3:32
